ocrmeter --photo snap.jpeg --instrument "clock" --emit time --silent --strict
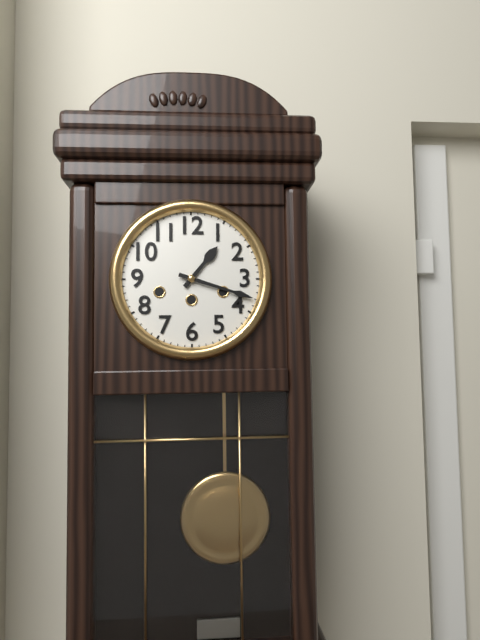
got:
1:18
